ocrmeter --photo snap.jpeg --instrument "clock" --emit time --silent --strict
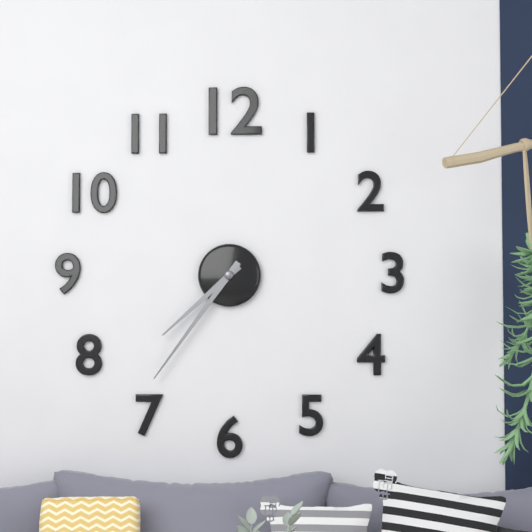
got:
7:36
